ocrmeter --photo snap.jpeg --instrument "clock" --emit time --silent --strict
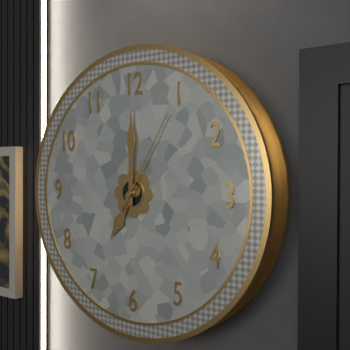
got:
7:00:05
